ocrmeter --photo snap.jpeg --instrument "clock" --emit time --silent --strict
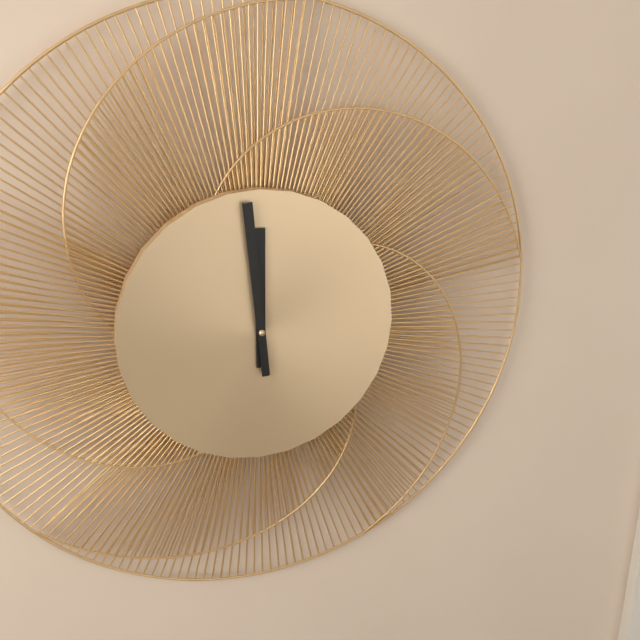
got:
11:59
